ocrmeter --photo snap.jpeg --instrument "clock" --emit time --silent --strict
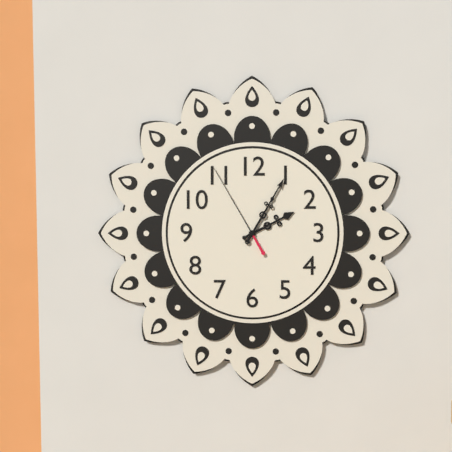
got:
2:05:55
